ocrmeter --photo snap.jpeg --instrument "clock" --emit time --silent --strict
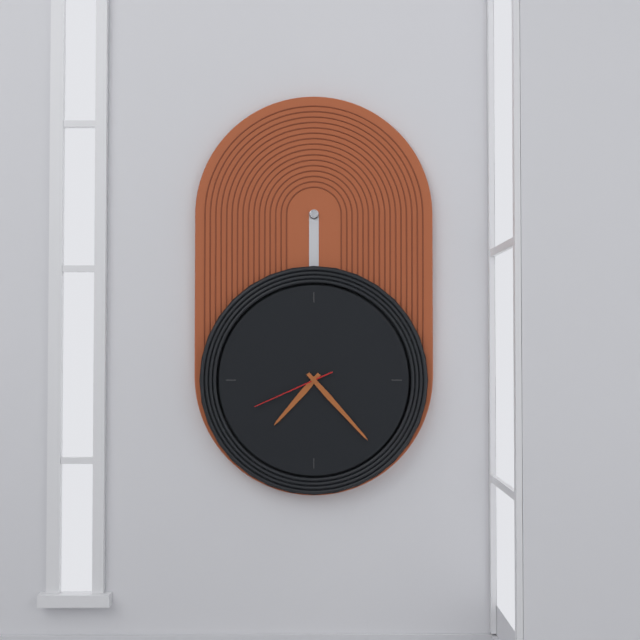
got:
7:23:41
